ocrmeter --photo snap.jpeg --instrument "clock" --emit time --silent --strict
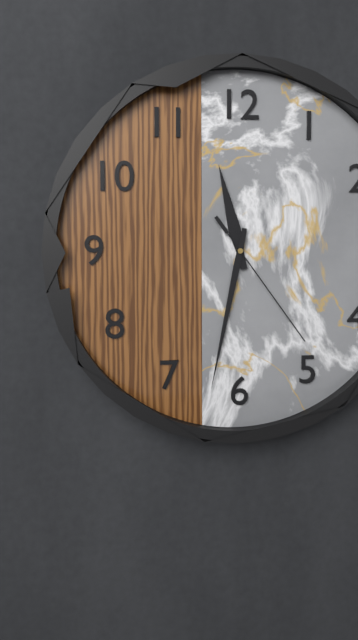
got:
11:32:24
